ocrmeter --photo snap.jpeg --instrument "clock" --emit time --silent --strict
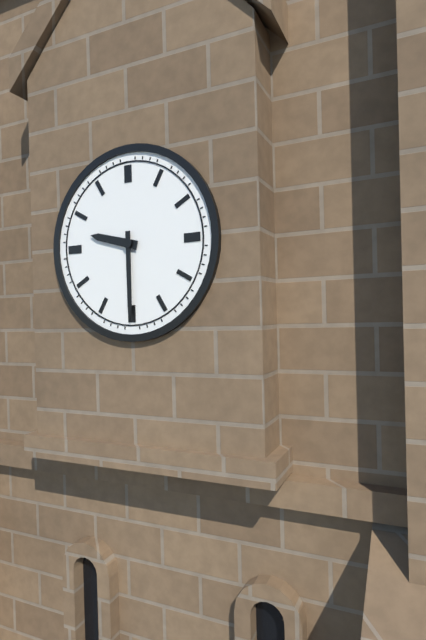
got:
9:30
